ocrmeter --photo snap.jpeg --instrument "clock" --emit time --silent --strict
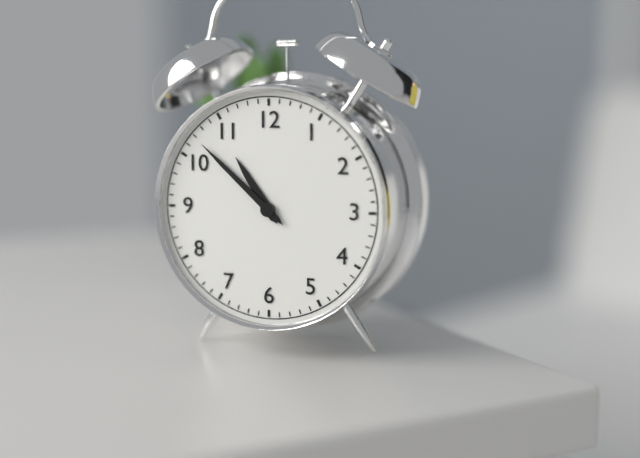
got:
10:52
